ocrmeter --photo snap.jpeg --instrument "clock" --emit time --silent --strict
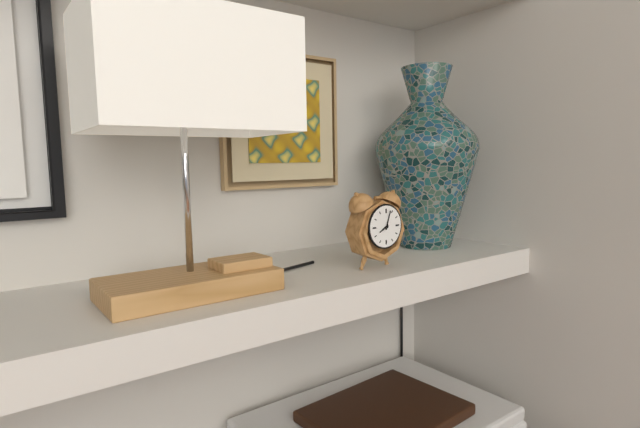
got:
8:03
